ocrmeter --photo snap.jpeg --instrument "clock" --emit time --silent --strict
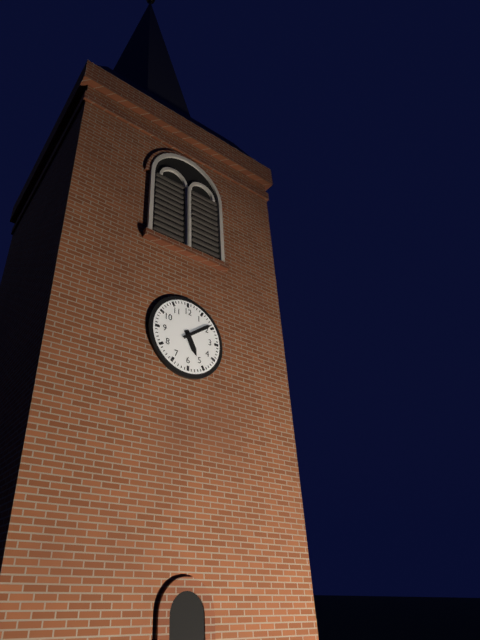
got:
5:09
